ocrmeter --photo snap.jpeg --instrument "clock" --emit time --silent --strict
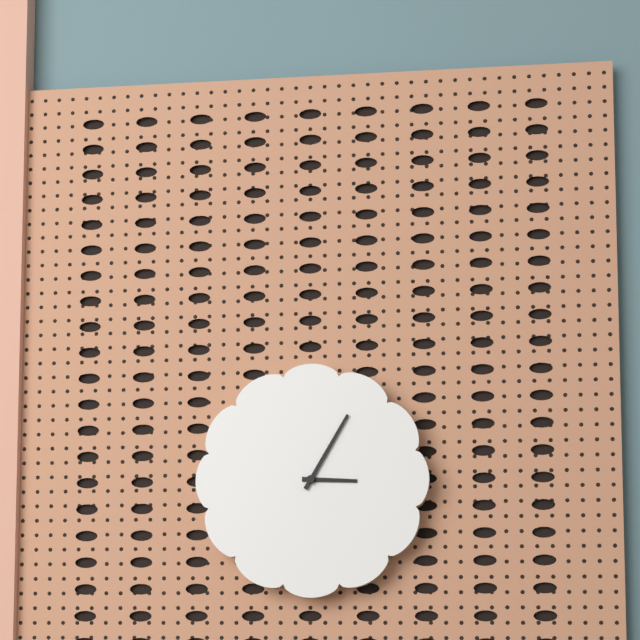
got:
3:05
